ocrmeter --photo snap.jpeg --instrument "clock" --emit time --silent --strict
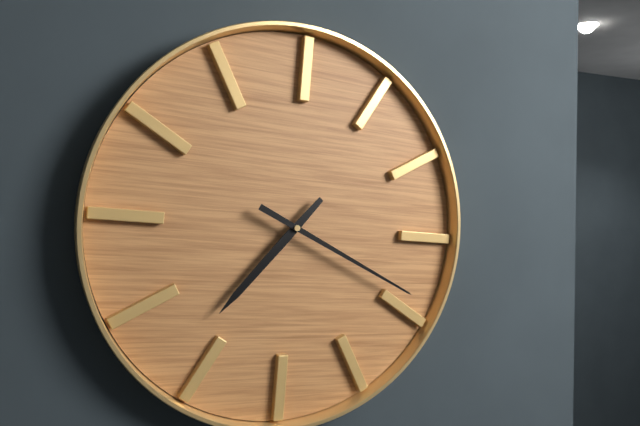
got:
7:19
